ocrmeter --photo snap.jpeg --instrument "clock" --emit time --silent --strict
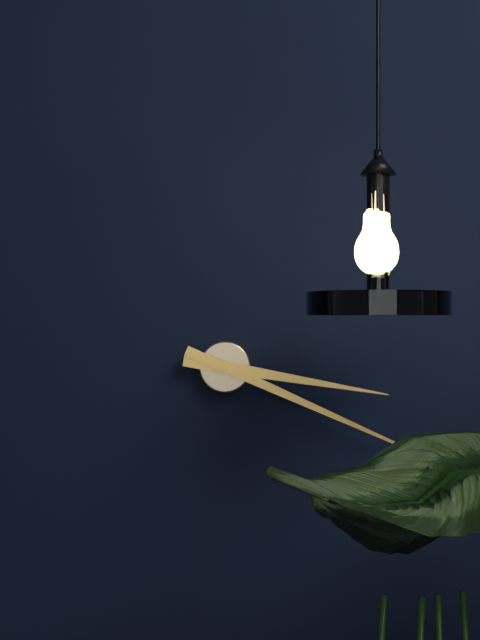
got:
3:19
